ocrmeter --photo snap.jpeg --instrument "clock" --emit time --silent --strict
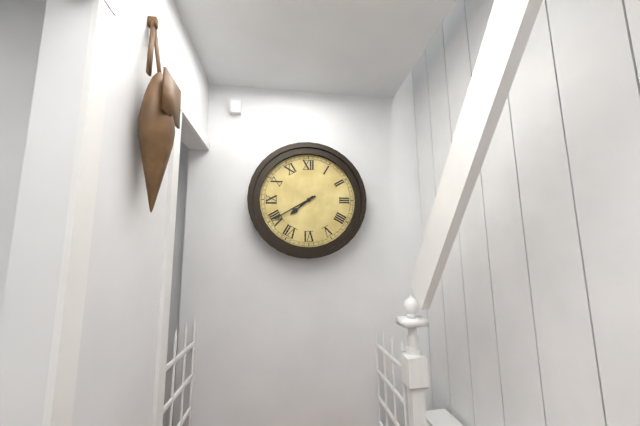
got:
7:40
